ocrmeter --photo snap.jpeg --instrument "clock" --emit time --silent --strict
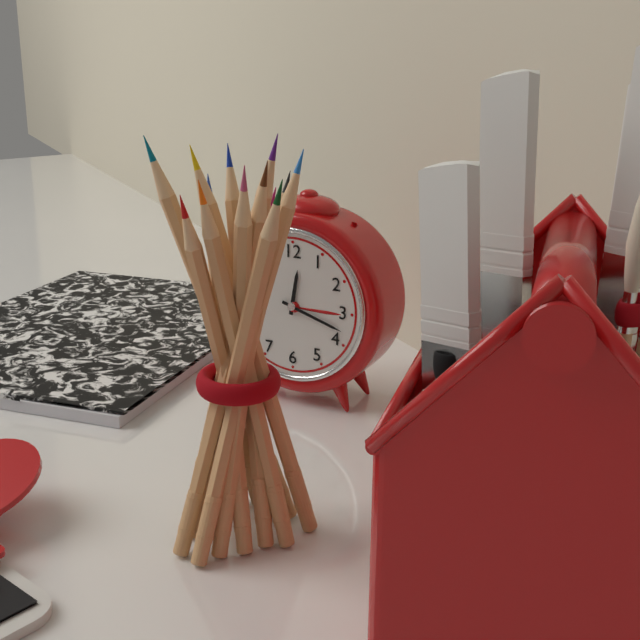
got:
12:18
